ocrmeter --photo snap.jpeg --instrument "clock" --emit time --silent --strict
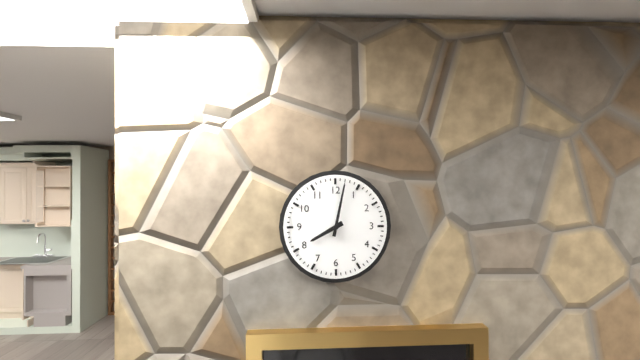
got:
8:02
